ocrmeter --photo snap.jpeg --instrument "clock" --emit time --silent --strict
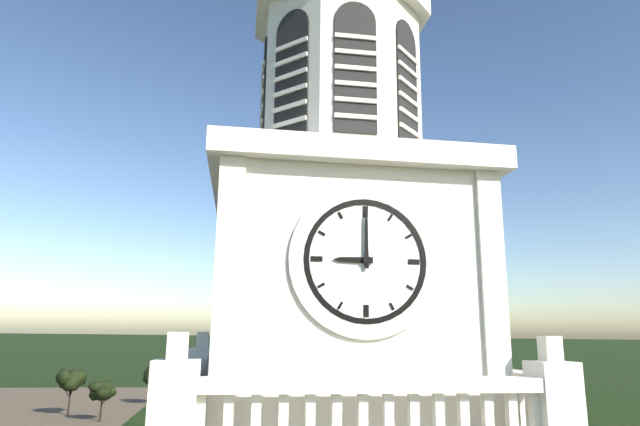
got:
9:00
